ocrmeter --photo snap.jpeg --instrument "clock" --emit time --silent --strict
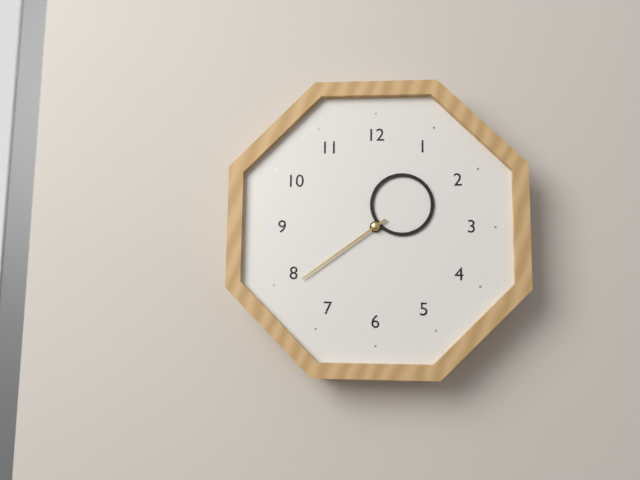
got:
1:39
